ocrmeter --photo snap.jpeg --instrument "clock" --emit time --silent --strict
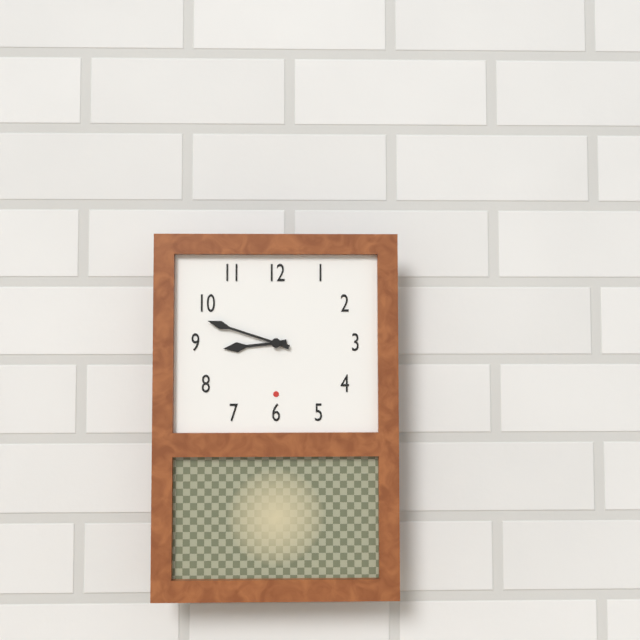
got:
8:48
